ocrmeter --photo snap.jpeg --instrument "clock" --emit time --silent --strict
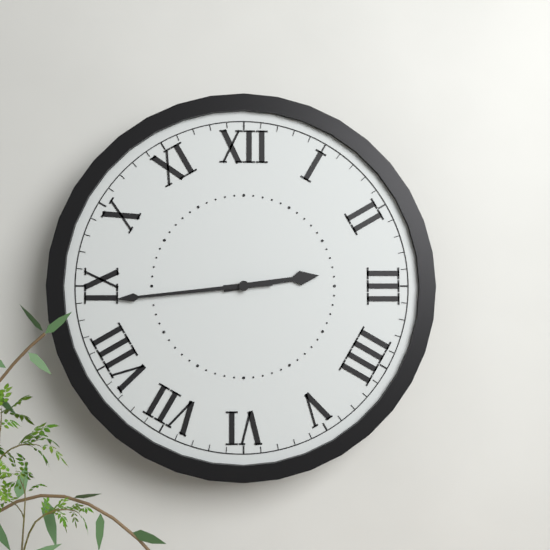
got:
2:44
